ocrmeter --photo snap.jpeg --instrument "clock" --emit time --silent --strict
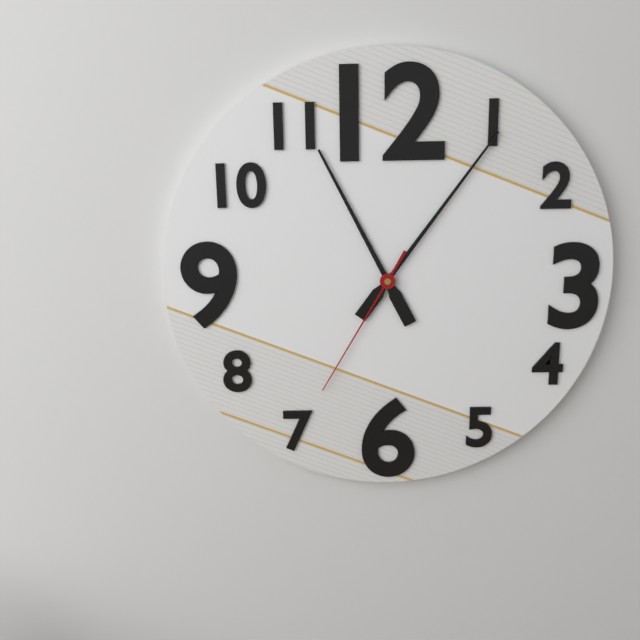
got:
11:06:35
